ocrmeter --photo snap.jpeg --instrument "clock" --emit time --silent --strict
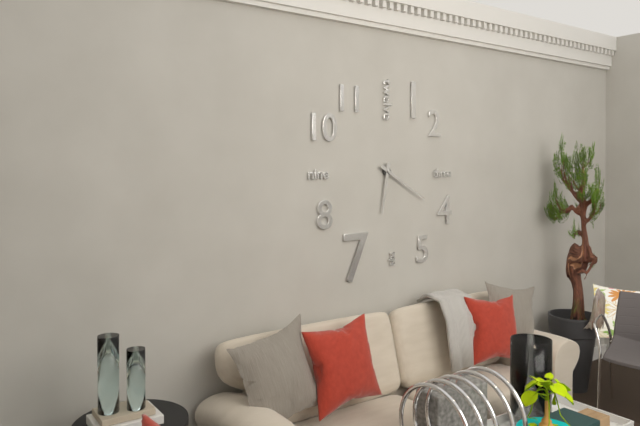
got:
6:20
